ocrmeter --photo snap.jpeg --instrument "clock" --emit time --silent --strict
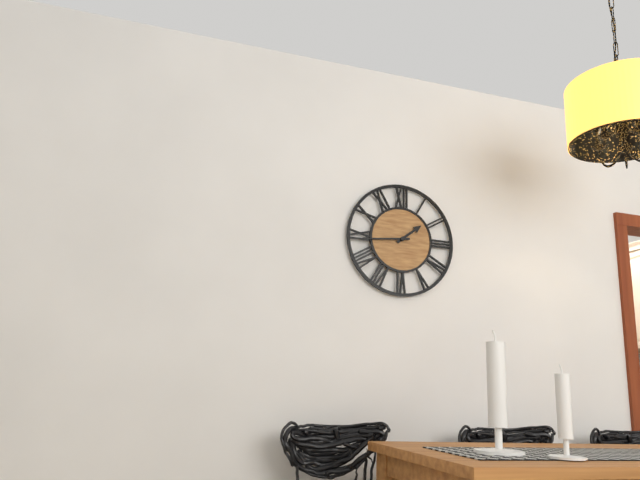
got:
1:44
